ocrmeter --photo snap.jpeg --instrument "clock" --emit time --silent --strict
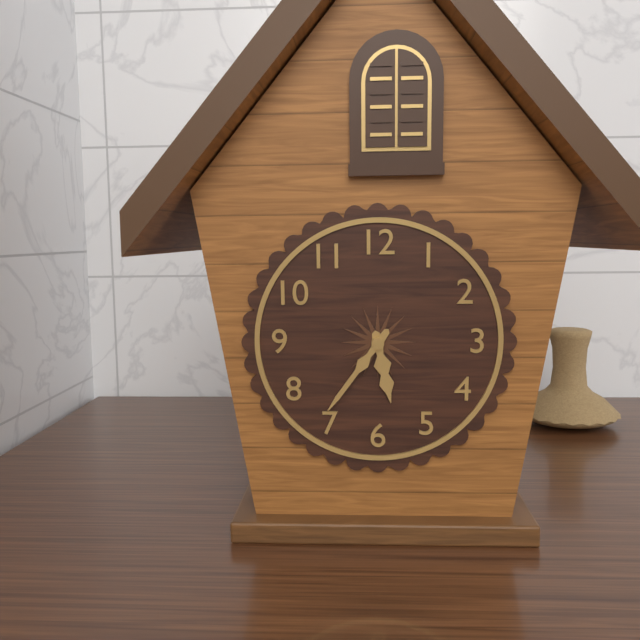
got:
5:36
